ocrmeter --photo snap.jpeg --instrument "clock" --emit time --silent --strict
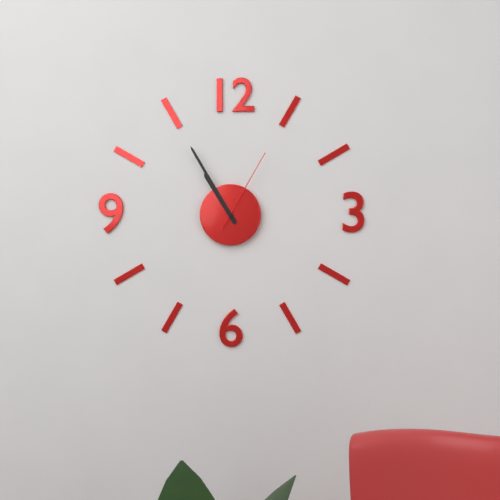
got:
10:55:05
